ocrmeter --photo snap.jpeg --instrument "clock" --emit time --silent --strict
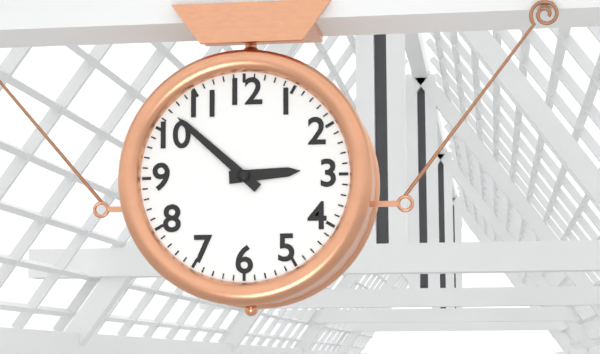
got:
2:52
